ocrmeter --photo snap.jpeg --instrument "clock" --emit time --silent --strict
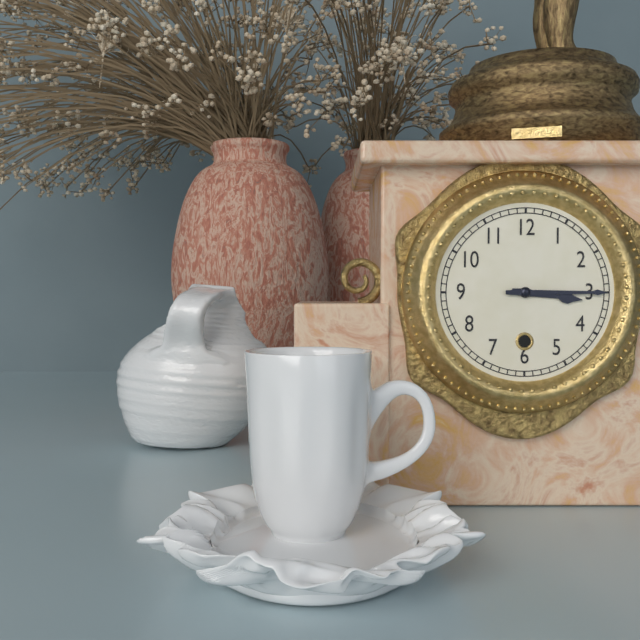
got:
3:15
